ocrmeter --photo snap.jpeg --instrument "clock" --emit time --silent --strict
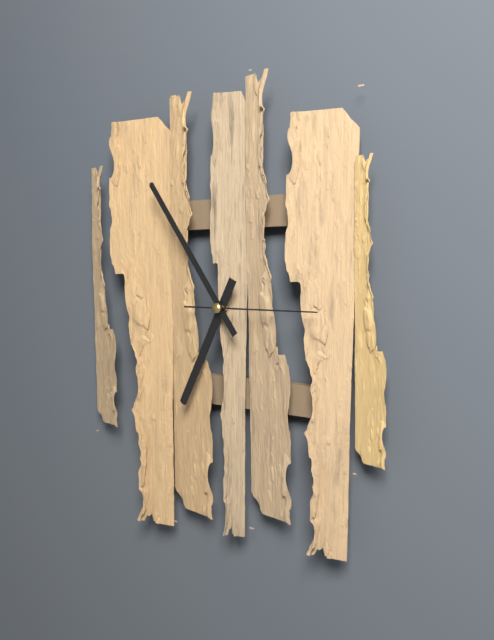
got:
6:54:15
